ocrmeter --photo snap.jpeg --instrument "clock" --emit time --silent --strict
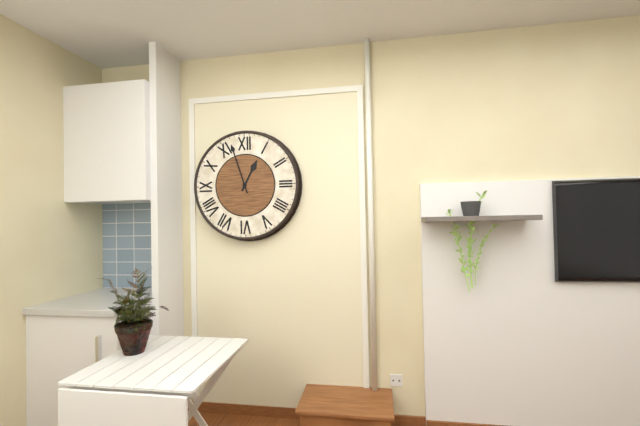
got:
12:57
